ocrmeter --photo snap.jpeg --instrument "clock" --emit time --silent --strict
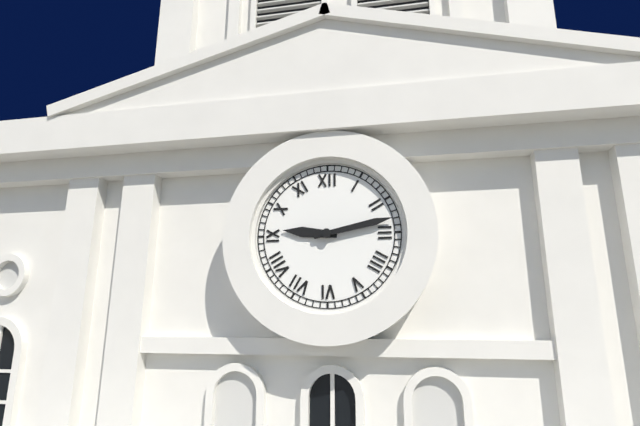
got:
9:13
